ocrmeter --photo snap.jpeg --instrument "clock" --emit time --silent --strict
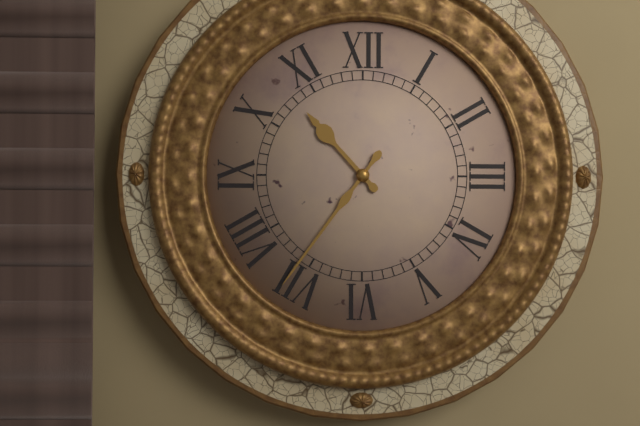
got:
10:36
